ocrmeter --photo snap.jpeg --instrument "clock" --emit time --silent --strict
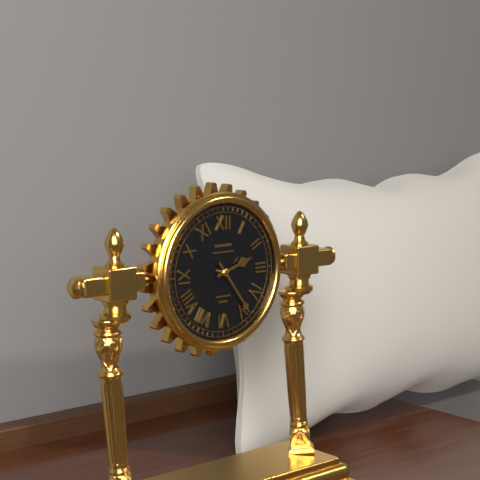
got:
2:24
